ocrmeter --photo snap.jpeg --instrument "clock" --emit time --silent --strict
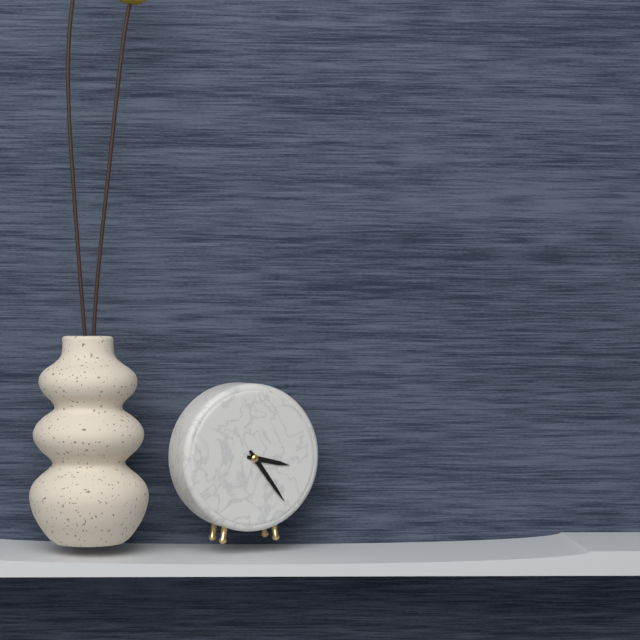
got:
3:24
